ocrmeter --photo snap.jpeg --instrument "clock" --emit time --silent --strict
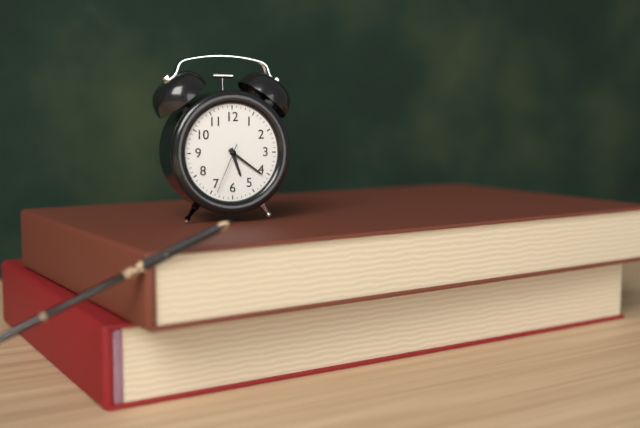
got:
5:21:34
